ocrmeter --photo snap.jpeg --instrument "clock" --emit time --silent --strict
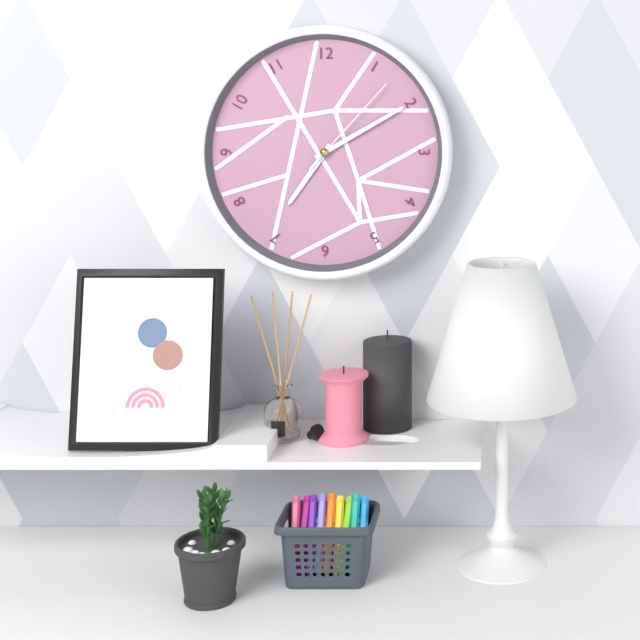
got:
7:10:07
